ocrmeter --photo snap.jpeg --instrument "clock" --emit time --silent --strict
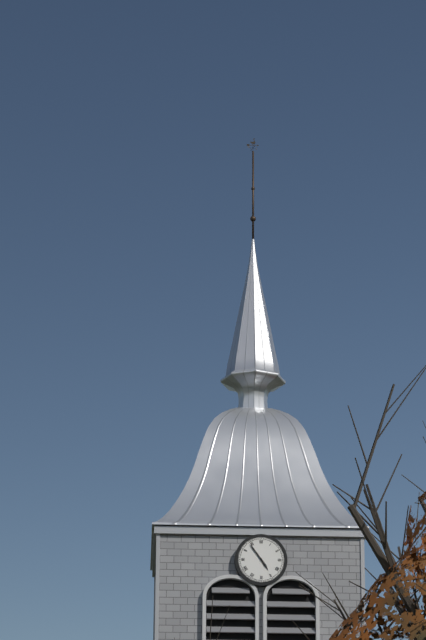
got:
4:54
